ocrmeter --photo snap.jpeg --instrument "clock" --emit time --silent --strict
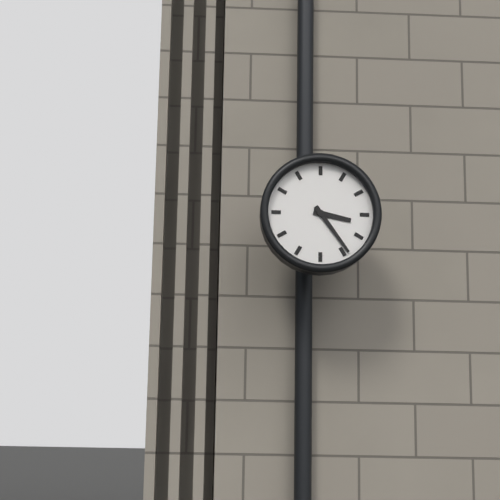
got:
3:24
